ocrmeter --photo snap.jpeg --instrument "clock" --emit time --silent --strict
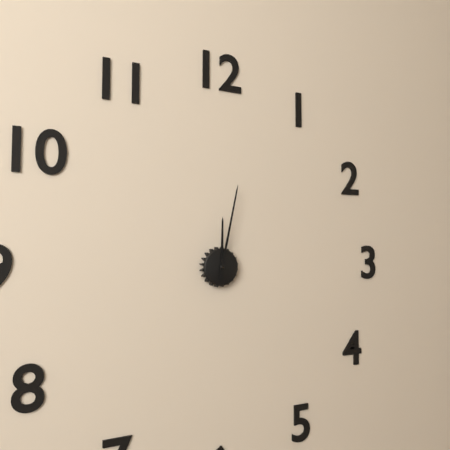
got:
12:02
